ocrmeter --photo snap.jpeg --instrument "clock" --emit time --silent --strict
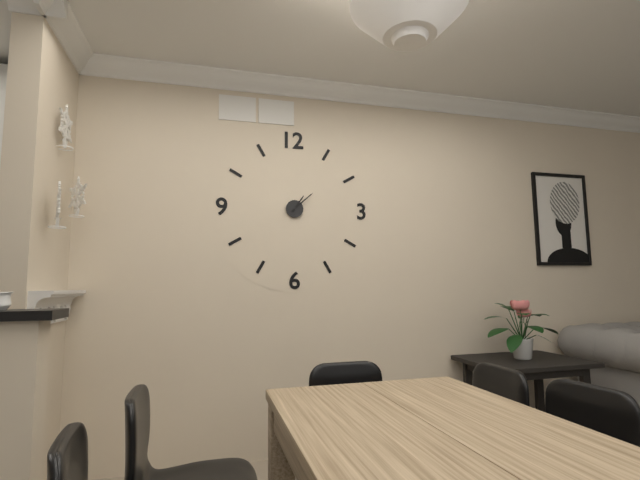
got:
1:08
